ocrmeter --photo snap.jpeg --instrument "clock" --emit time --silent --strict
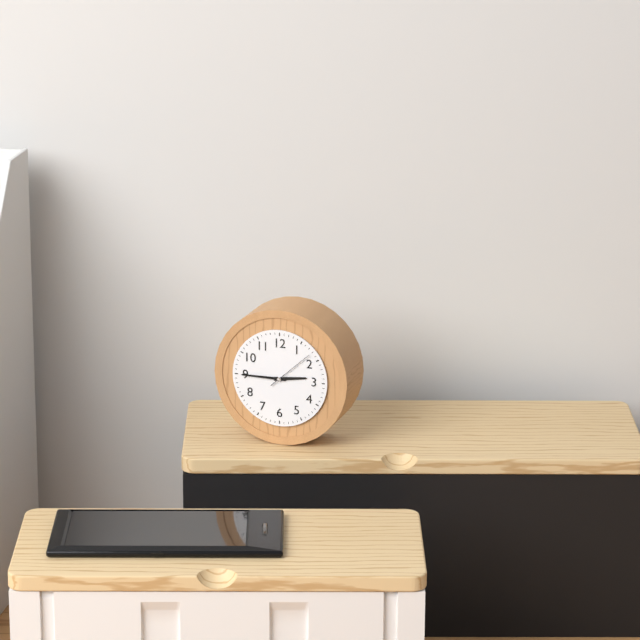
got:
2:45
